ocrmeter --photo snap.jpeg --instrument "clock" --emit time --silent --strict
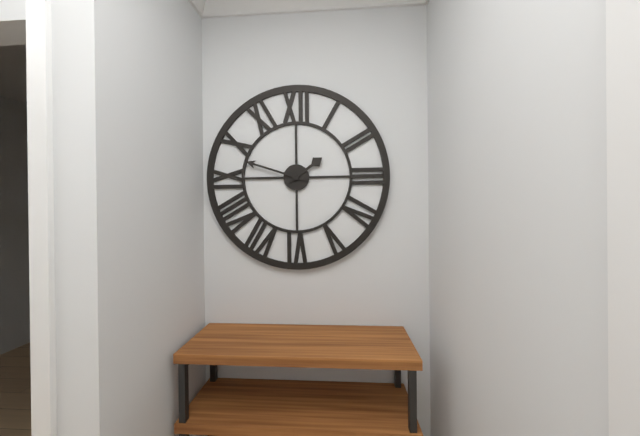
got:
1:48
